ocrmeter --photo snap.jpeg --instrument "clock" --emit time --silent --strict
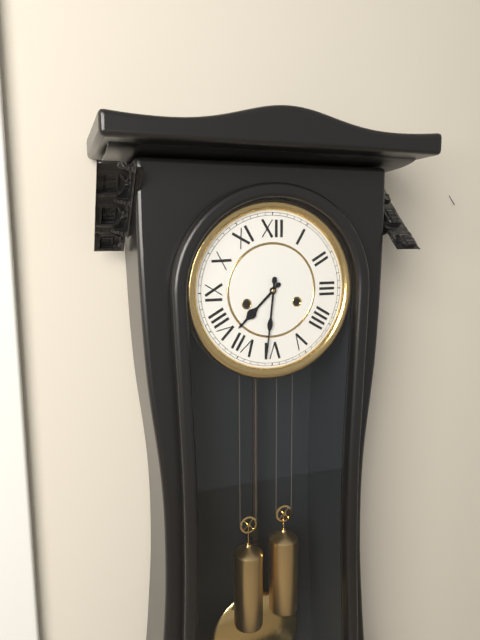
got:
7:31
